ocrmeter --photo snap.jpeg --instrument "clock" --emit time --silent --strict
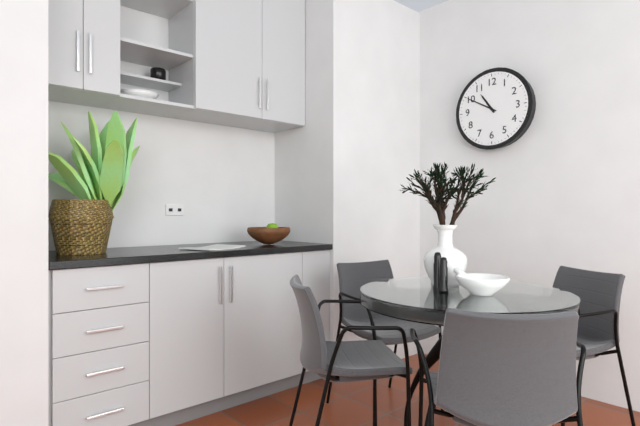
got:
10:50
